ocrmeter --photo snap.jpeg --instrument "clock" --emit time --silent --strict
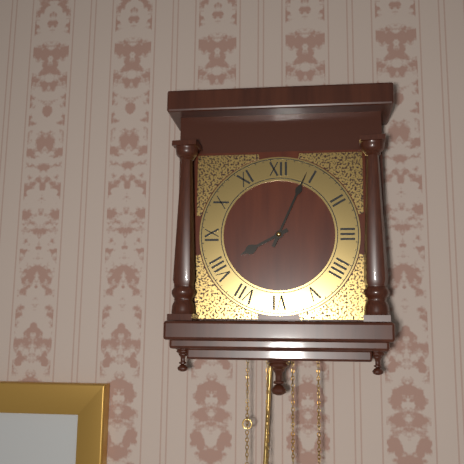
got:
8:04
